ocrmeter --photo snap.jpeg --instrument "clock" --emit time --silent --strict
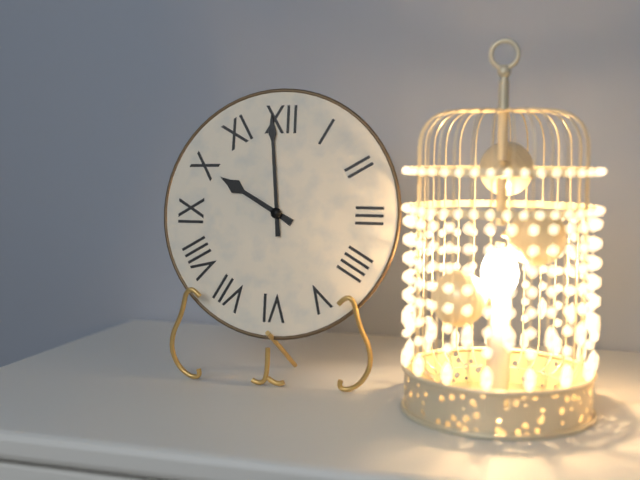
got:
9:59
